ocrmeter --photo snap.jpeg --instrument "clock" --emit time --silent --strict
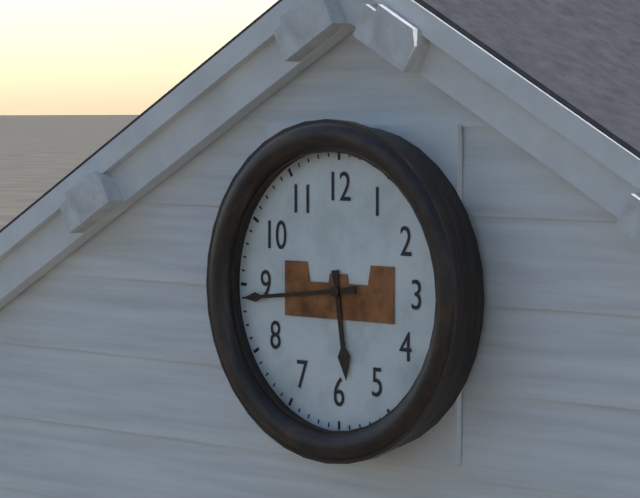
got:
5:44
